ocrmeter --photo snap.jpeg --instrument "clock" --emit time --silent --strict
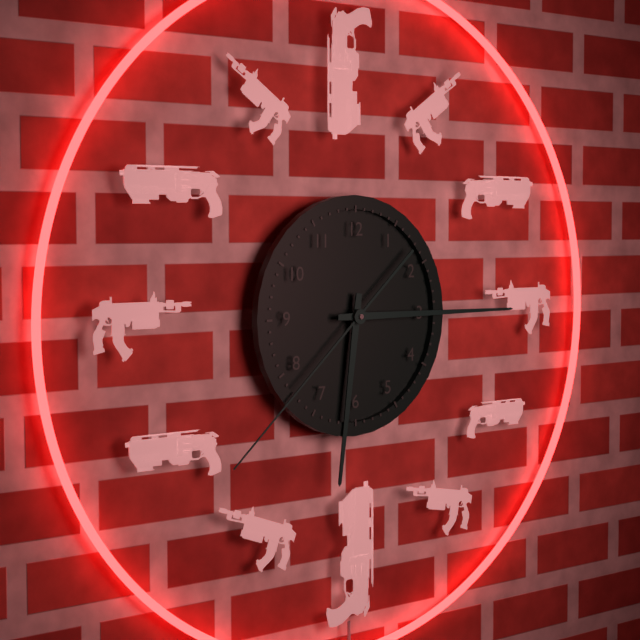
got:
6:15:38
